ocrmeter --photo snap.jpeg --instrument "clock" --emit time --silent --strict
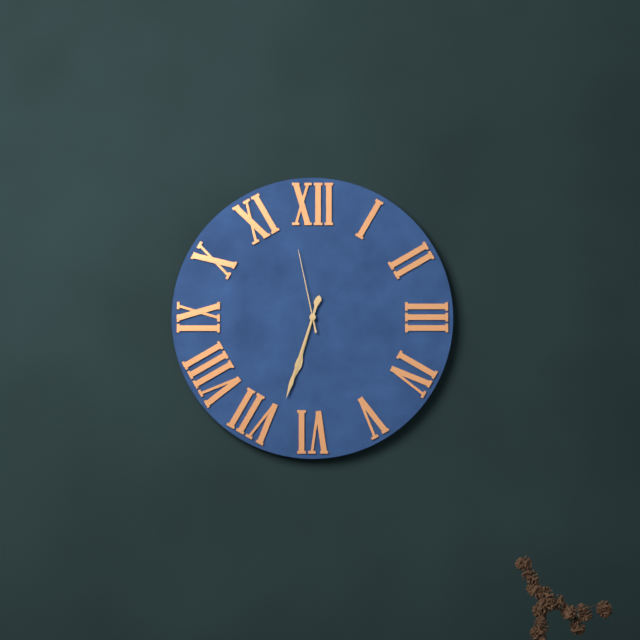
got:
6:33:58
